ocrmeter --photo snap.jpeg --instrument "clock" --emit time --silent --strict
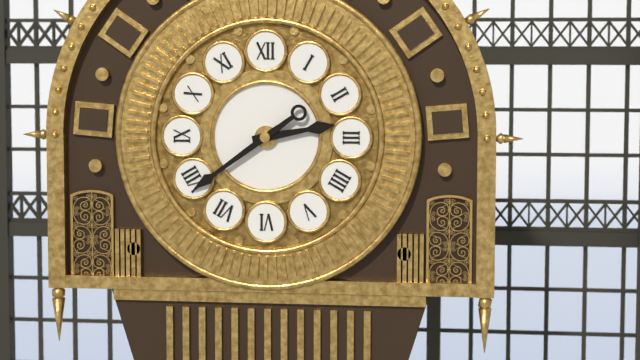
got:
2:39
